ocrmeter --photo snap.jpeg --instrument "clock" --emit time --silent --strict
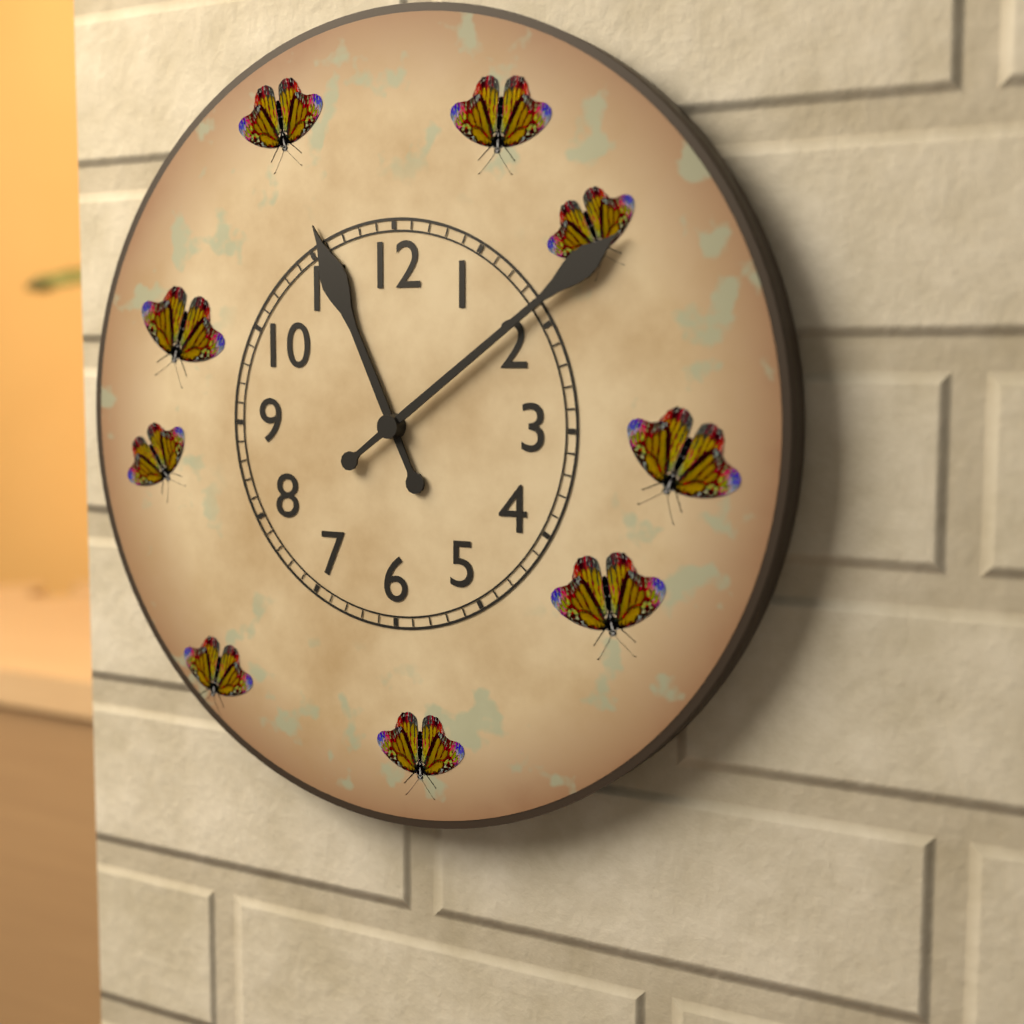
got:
11:09
